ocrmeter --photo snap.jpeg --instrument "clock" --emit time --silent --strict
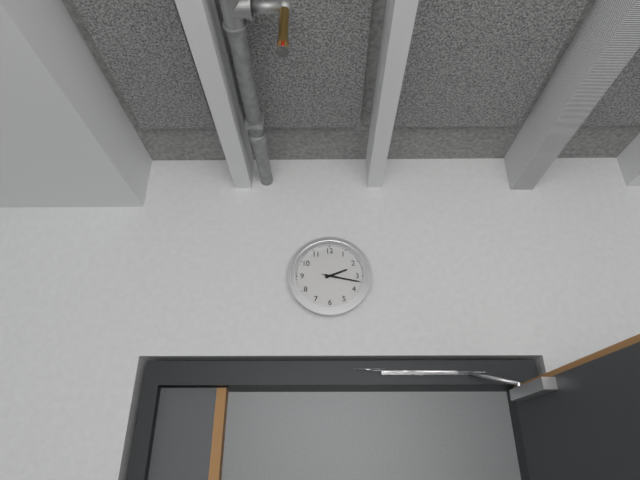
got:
2:17
